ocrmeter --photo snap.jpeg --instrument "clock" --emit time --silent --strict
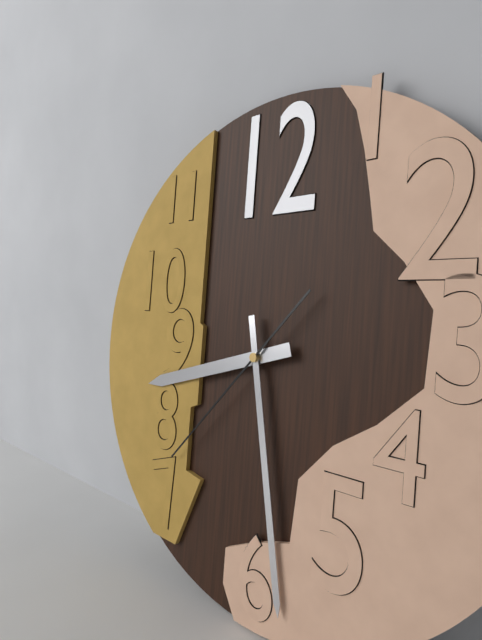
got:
8:28:37
